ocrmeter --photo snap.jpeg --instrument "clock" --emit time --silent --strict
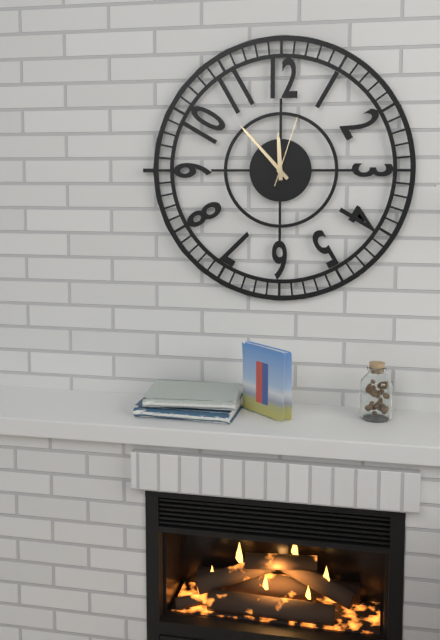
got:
11:53:03
